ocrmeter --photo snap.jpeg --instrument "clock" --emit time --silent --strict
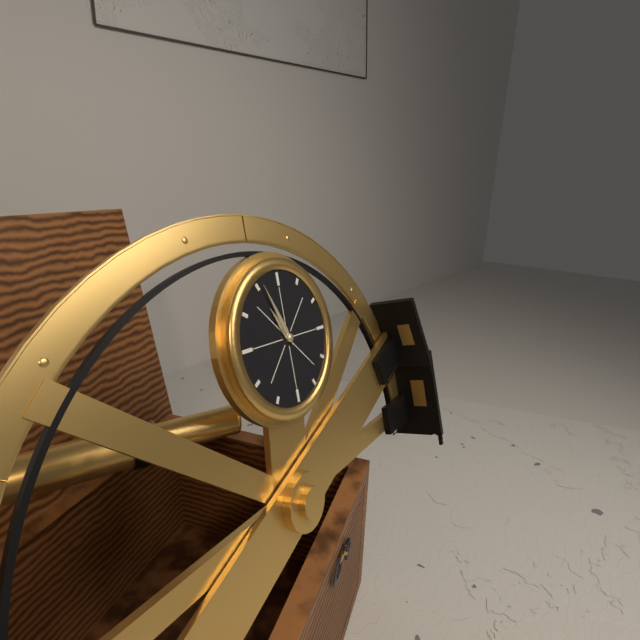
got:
10:56
